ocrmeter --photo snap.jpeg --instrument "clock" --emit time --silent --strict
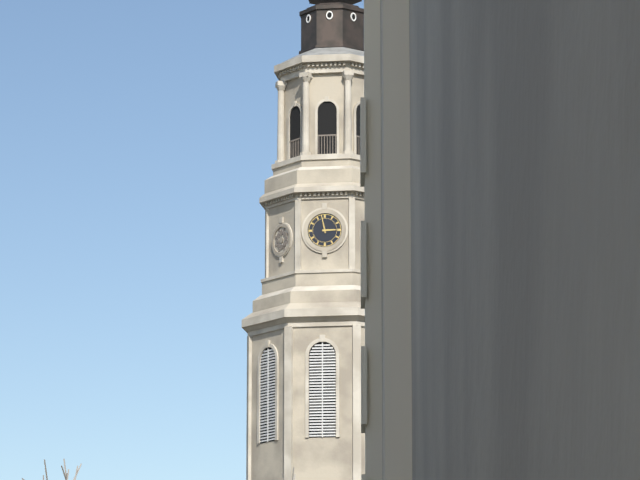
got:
2:58
